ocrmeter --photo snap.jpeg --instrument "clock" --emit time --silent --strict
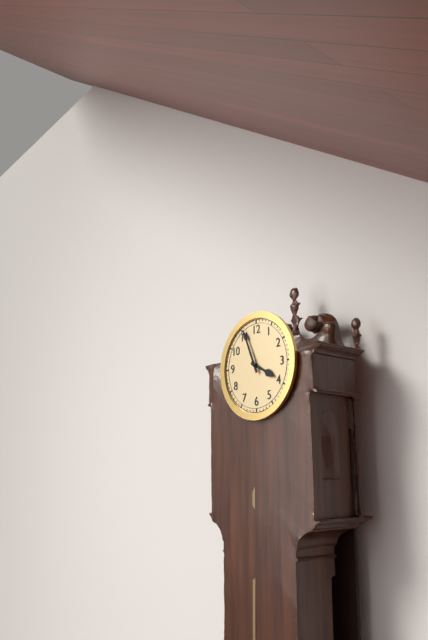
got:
3:56
